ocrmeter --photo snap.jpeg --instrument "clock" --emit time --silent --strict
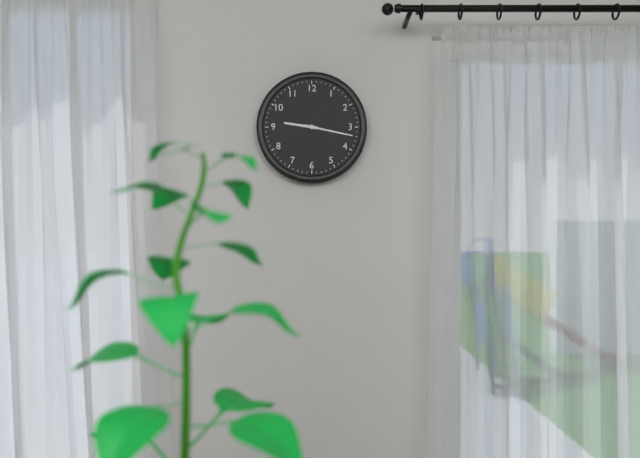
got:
9:17
